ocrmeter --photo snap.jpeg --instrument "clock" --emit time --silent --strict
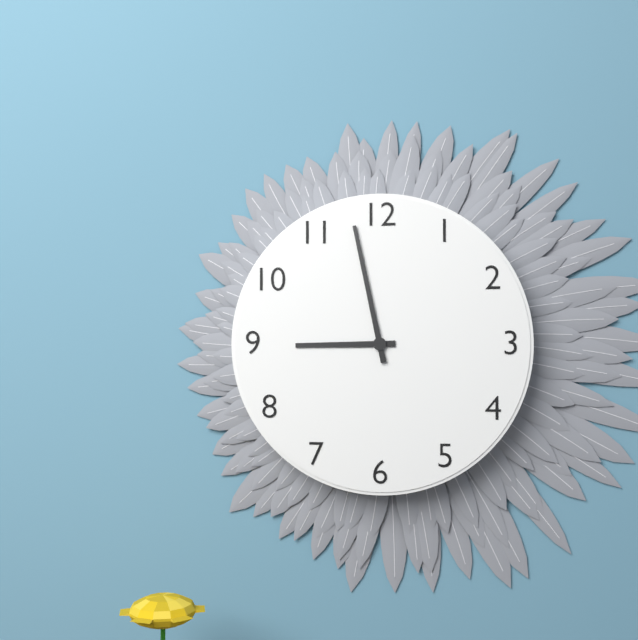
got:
8:58
